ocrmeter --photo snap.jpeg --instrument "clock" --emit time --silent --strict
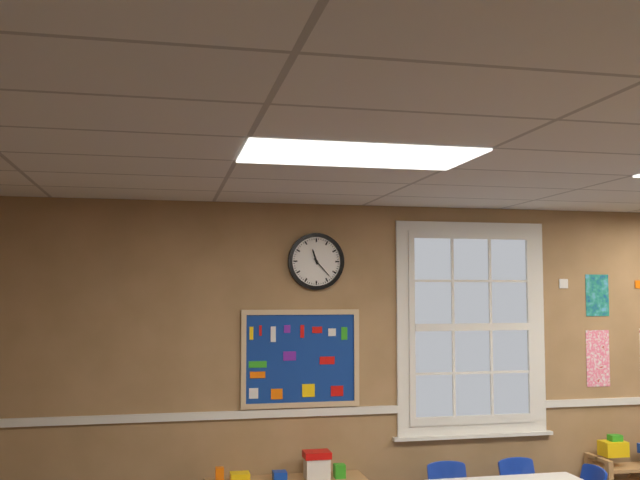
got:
11:23
